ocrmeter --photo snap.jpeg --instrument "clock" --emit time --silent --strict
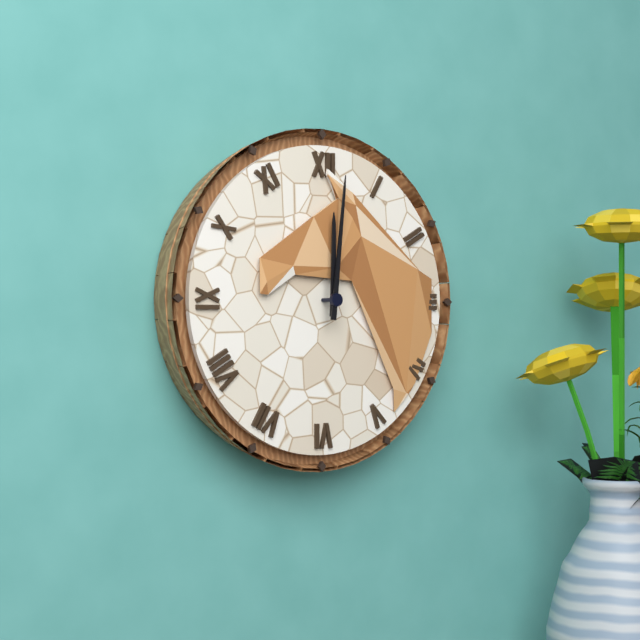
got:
12:01
